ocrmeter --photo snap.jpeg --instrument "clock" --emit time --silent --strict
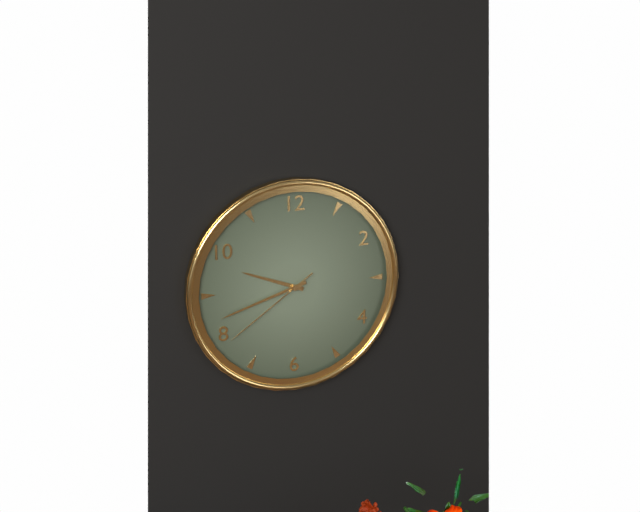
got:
9:42:39
